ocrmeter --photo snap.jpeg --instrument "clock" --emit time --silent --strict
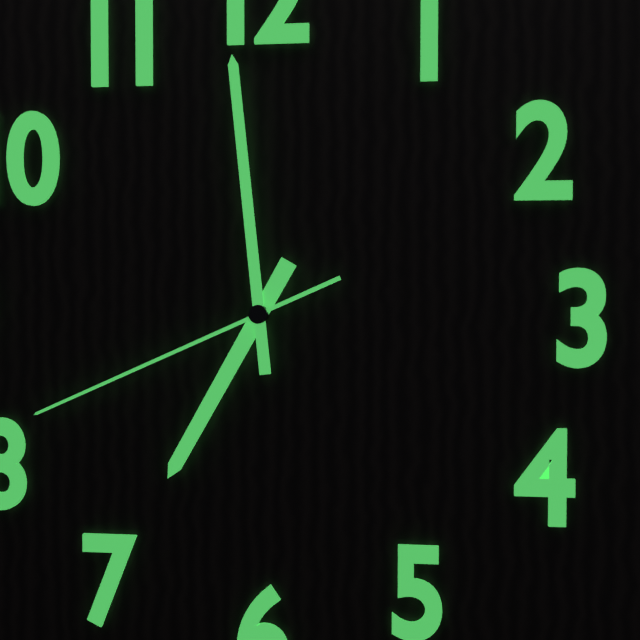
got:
6:59:41
